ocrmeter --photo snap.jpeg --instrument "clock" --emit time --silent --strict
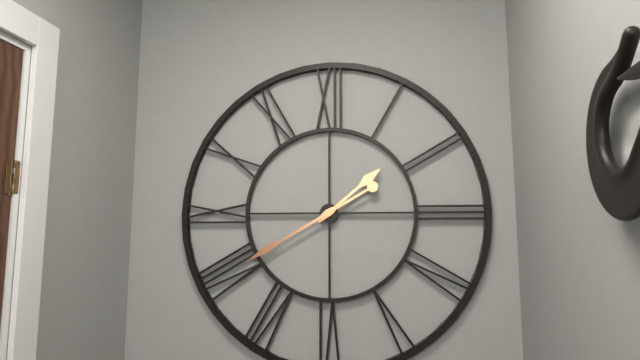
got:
1:40
